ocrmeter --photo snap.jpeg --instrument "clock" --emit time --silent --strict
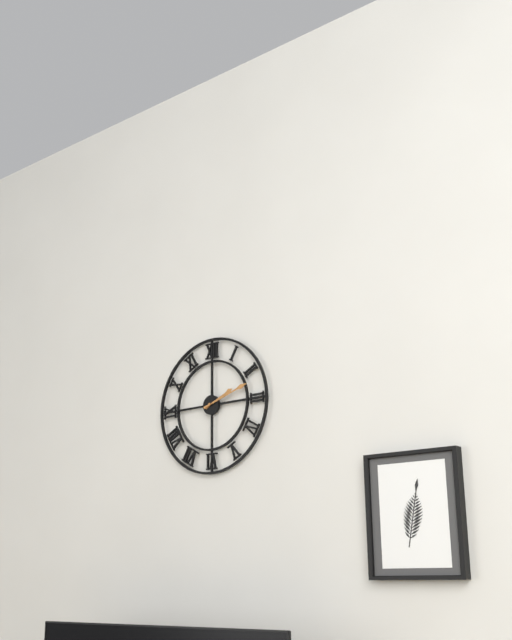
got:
2:12
